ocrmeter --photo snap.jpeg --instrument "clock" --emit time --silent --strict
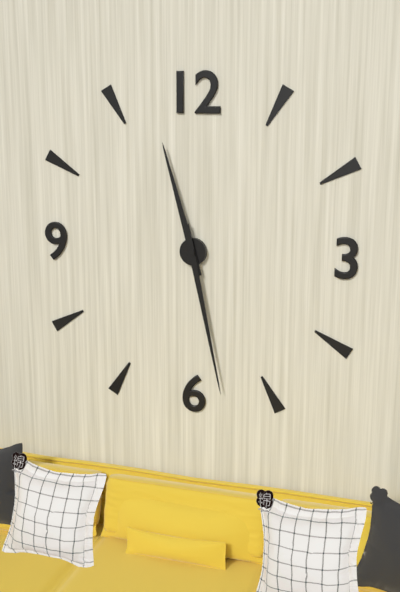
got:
11:28
